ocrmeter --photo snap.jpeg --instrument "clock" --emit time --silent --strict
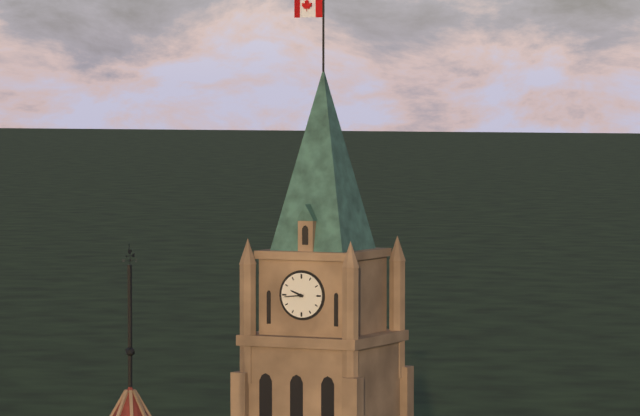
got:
9:44
